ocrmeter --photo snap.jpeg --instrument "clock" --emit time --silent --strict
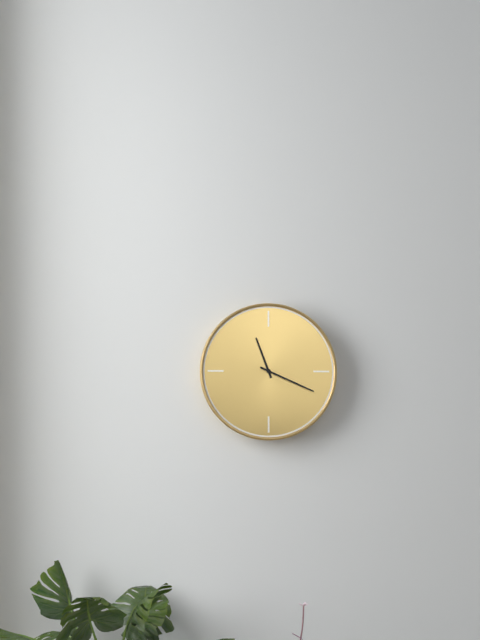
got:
11:19
